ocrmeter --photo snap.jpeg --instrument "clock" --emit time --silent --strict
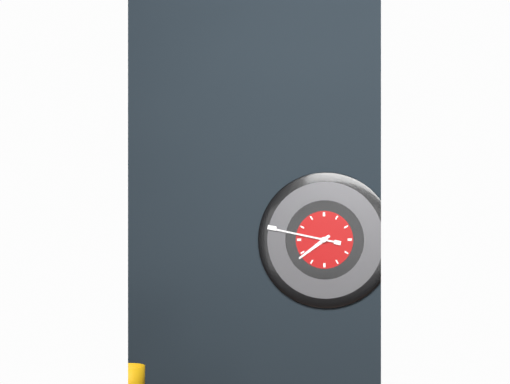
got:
7:47
